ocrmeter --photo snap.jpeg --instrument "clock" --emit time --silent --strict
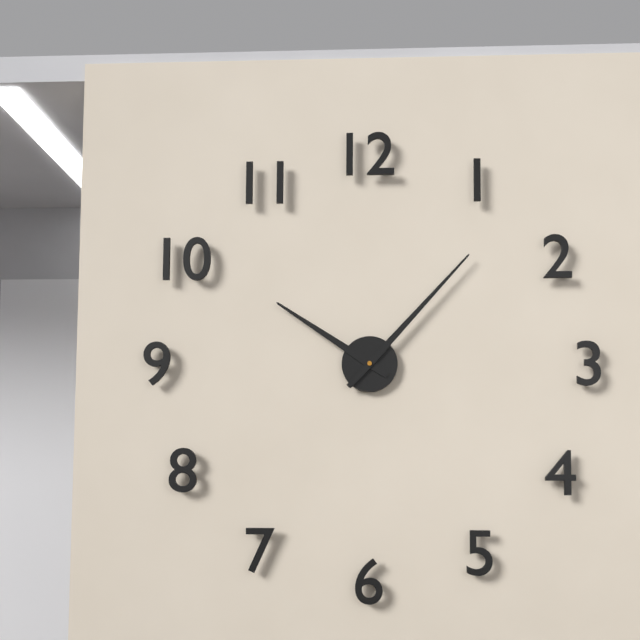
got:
10:07
